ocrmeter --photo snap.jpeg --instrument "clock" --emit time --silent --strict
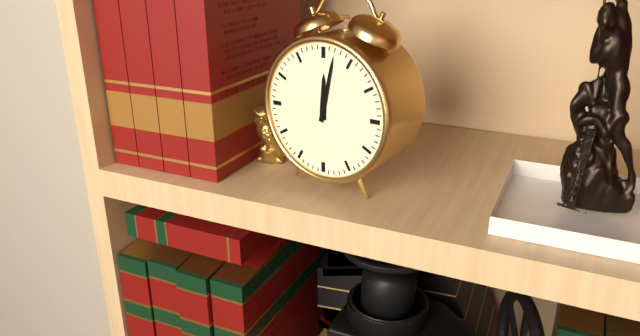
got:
12:02
